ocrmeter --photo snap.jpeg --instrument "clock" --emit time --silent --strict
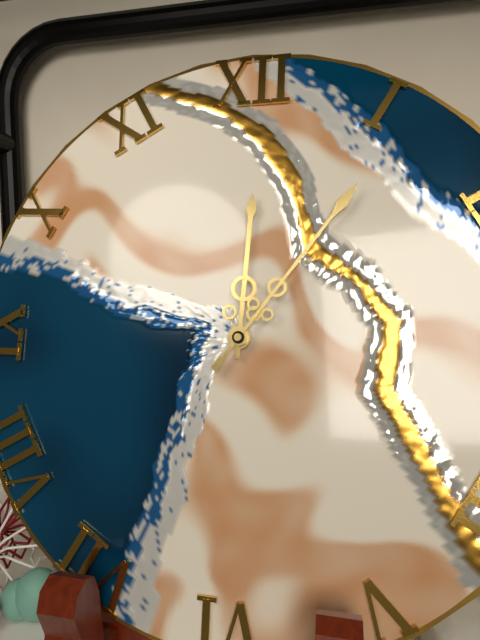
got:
12:06
